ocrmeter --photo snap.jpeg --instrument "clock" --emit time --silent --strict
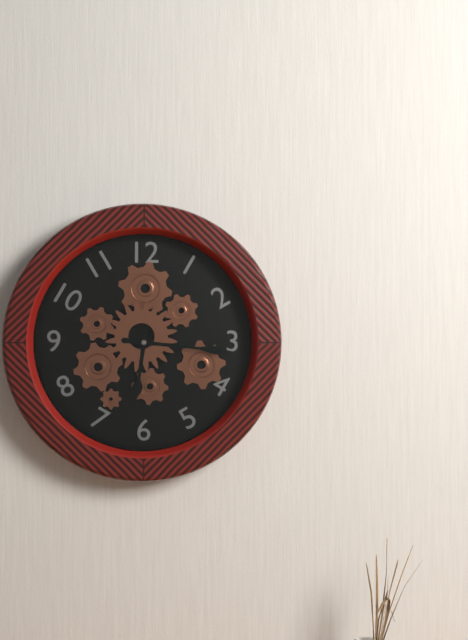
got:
6:16
